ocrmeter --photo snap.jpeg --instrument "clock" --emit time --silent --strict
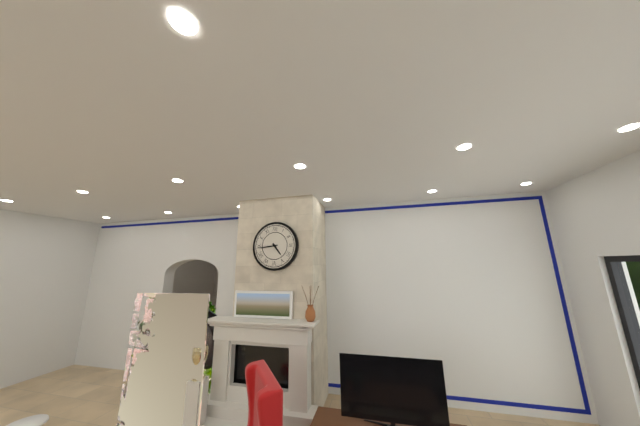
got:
4:44
